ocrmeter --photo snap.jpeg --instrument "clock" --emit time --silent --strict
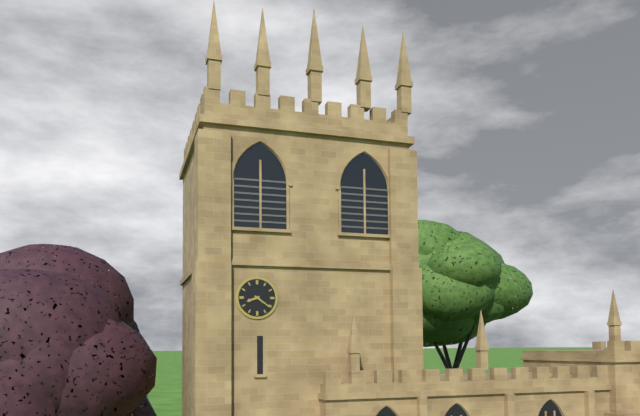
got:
8:21
